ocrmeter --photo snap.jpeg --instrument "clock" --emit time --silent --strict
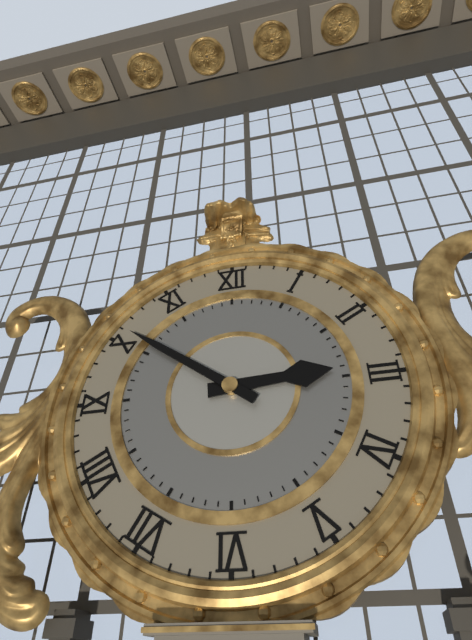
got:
2:51
